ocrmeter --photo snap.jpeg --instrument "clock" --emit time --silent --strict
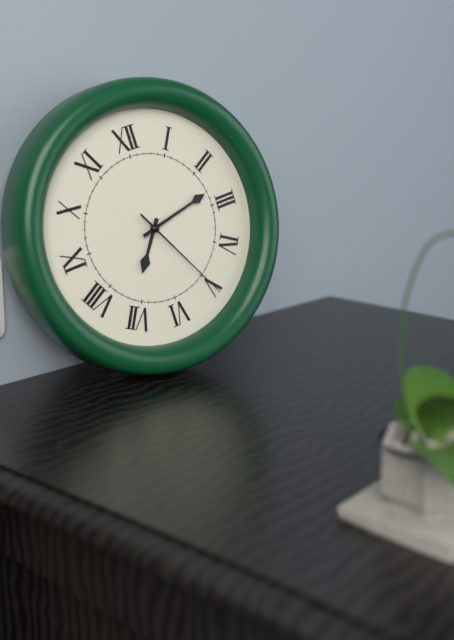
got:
7:13:25
